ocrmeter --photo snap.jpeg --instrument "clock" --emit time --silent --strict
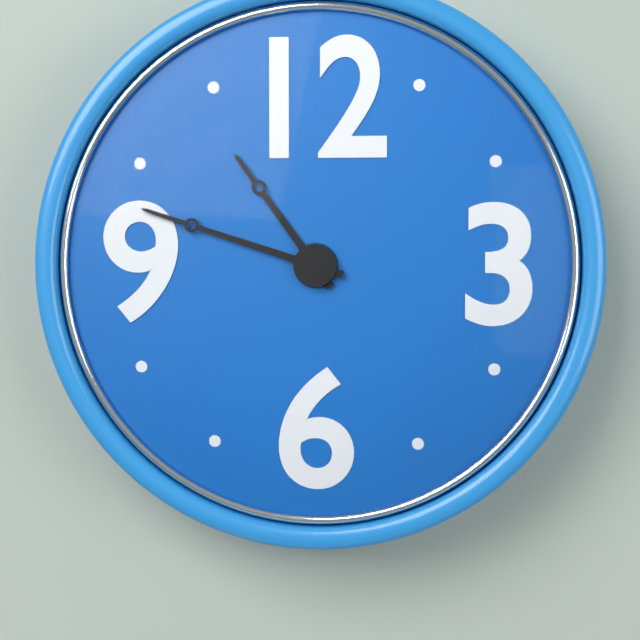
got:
10:48
